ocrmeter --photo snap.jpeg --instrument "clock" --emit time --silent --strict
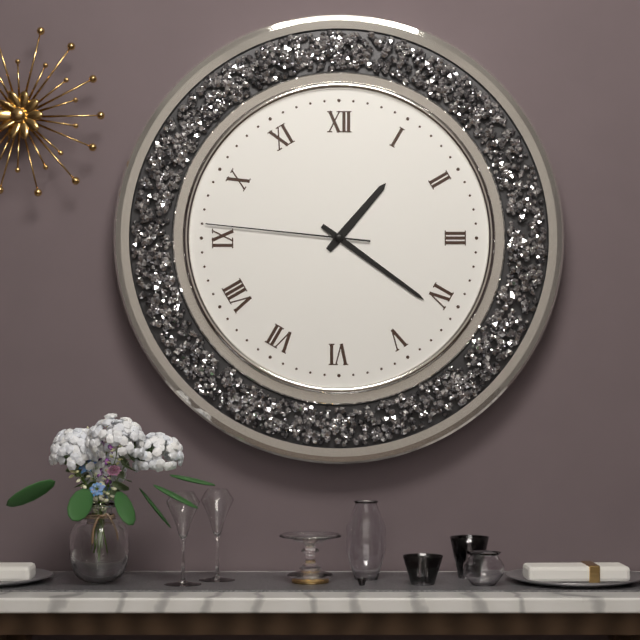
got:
1:21:46
